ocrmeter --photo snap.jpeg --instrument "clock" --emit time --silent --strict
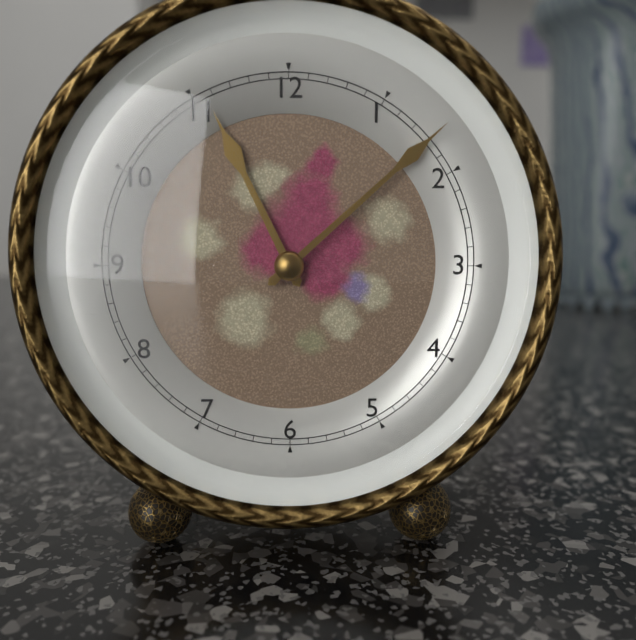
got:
11:08
